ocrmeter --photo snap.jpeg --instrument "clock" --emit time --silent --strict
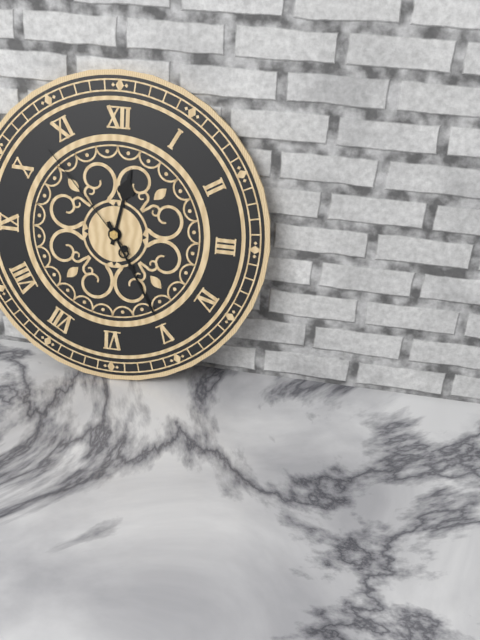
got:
12:25:53
